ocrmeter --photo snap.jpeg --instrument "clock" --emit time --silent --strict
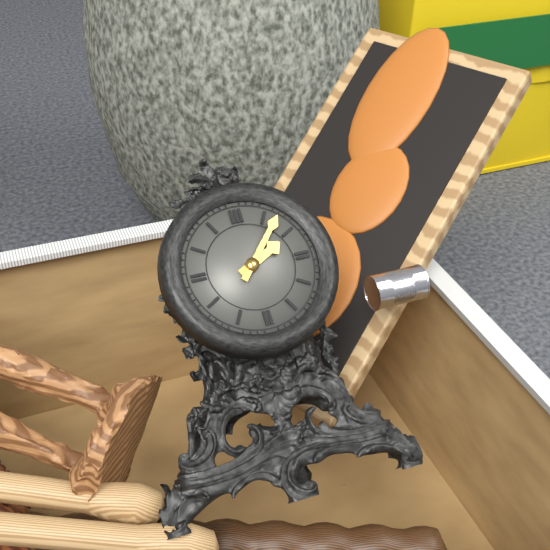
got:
2:07
